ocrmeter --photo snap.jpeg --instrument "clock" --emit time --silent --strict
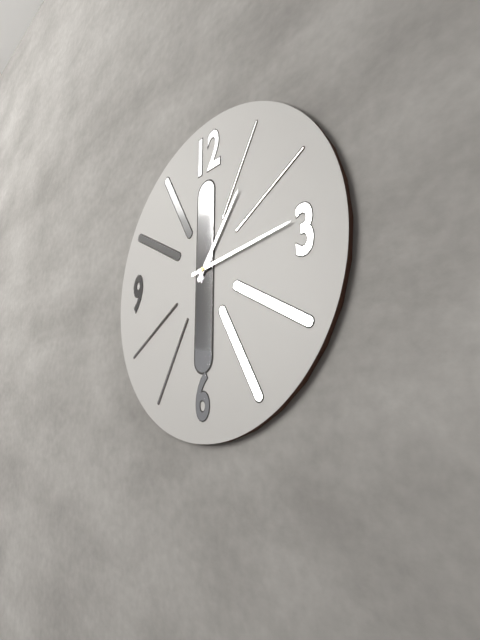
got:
1:14
